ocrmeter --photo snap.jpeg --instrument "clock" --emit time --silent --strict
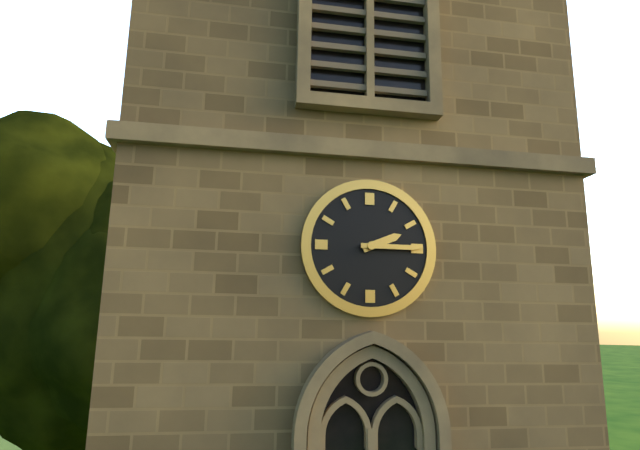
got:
2:15
